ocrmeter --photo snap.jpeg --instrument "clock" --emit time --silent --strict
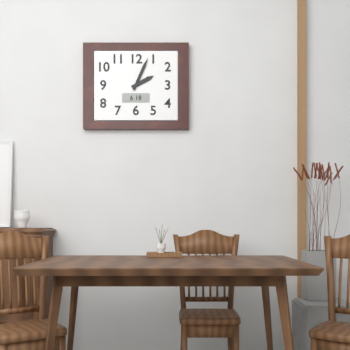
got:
2:04
